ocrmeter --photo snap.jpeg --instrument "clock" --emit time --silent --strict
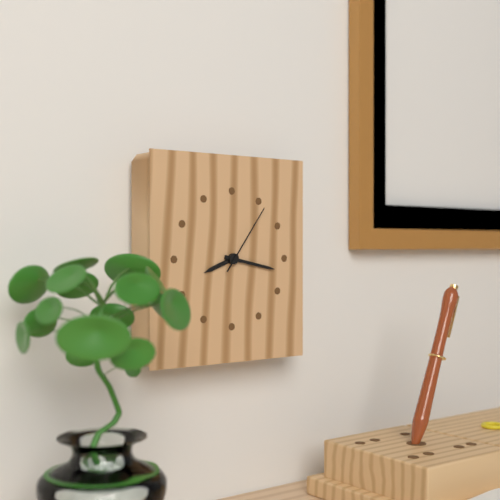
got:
8:17:06
